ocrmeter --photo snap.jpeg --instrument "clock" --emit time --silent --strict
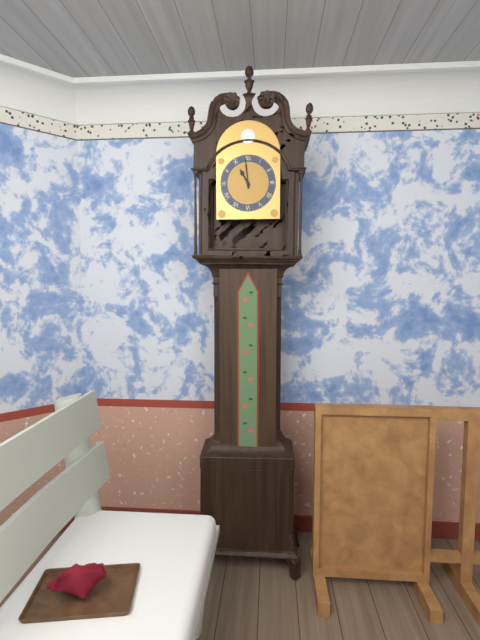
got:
10:59
